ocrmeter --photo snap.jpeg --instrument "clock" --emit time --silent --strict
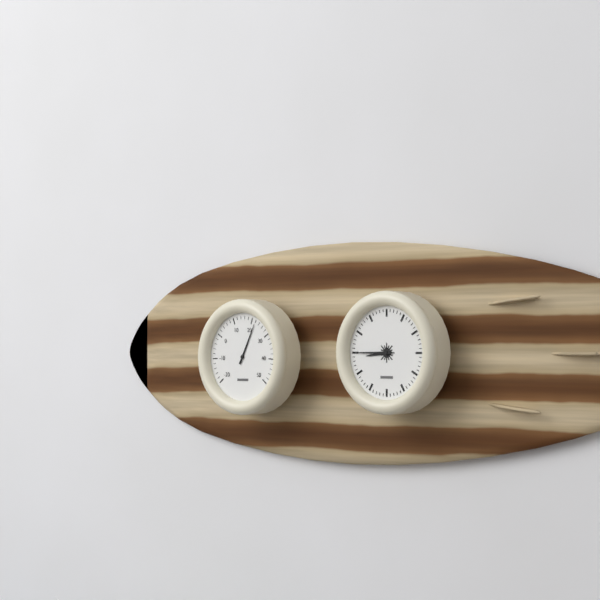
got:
8:45
